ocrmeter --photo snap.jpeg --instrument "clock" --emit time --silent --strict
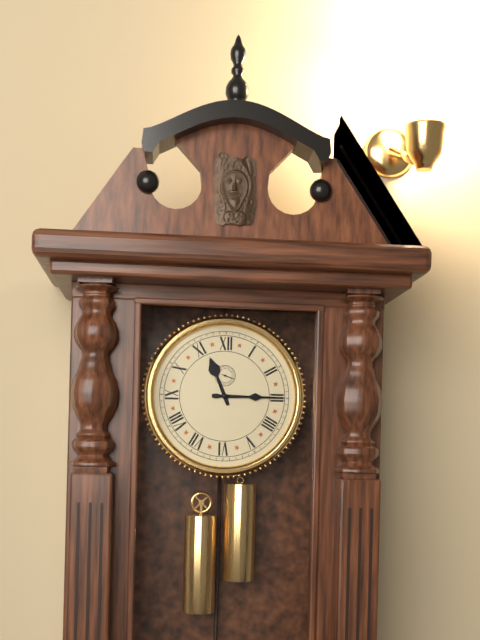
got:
11:15
